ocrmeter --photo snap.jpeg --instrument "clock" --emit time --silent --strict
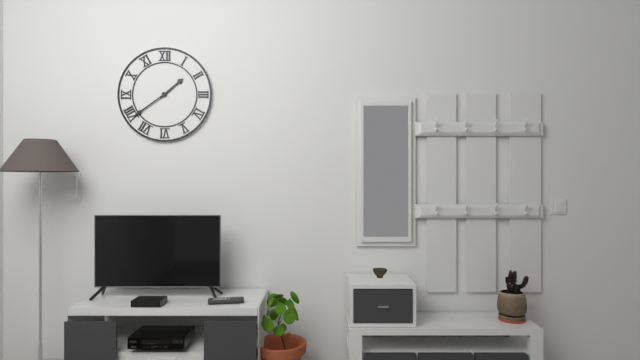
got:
1:39
